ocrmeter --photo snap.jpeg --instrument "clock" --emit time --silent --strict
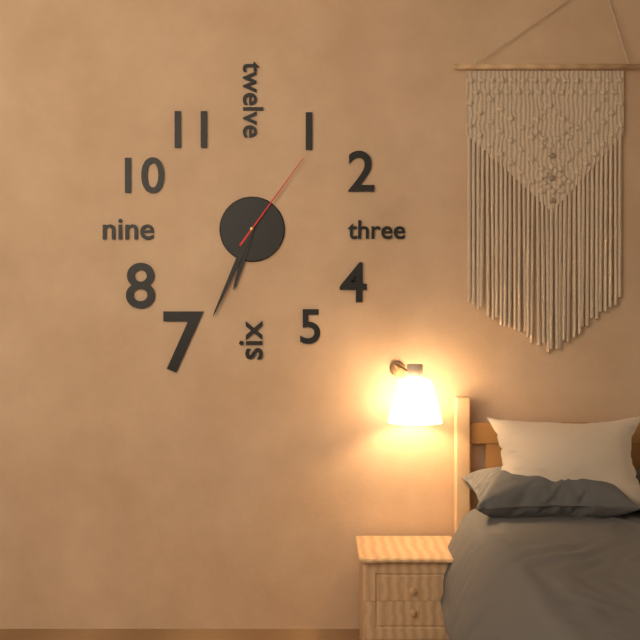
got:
6:34:06
